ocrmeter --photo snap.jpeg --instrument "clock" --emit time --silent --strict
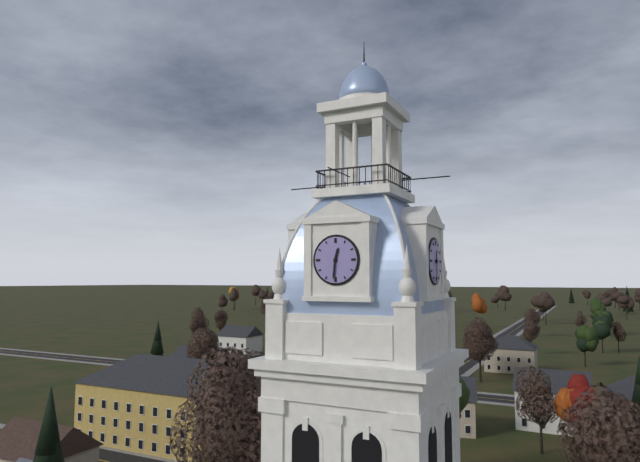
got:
12:31
